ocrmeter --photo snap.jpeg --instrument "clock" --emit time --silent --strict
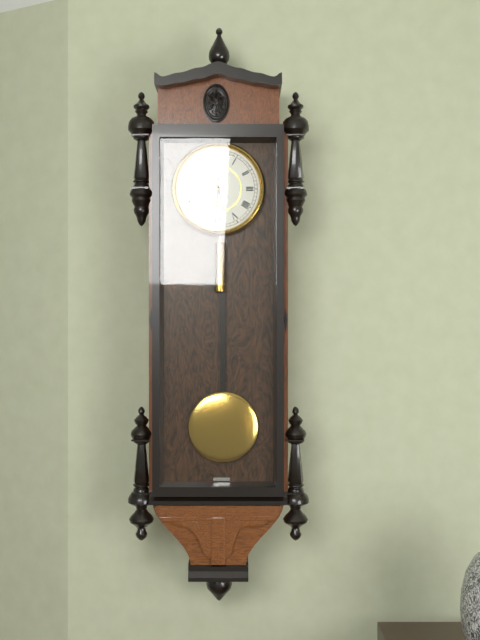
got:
5:31
